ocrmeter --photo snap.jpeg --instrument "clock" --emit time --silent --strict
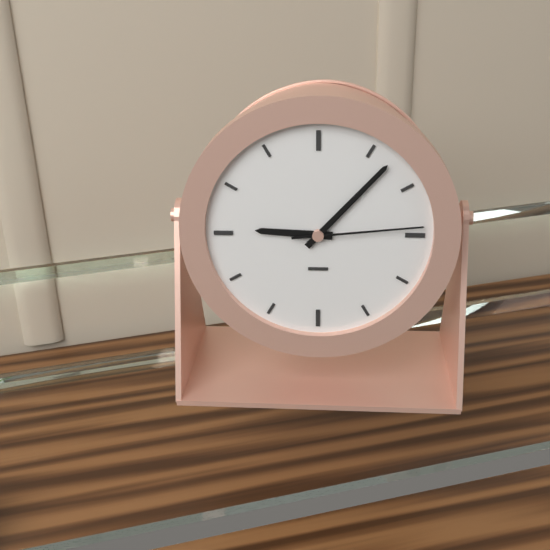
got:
9:07:14
